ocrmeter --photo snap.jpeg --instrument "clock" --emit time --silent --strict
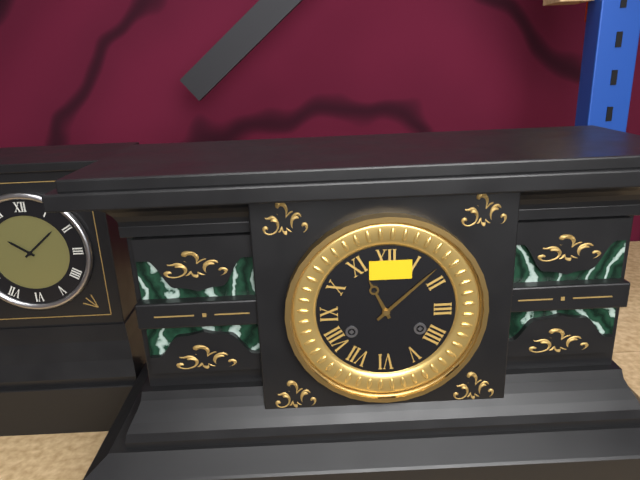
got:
11:08
